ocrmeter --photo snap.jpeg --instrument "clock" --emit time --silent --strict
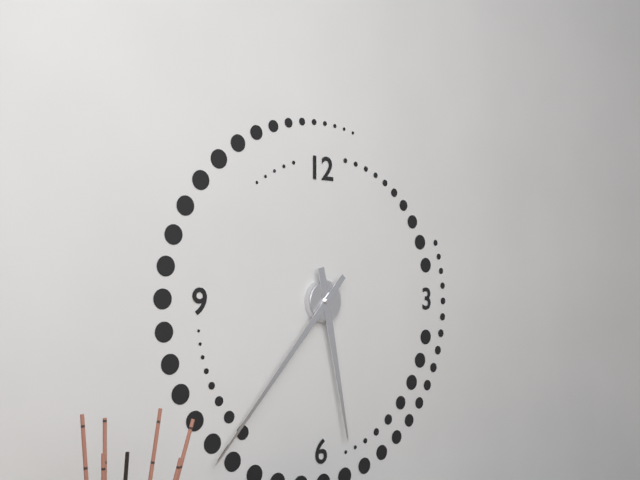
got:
5:37
